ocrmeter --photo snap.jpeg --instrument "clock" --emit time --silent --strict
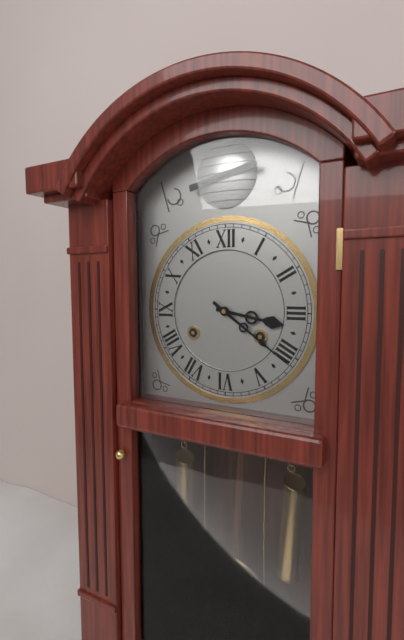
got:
3:21
